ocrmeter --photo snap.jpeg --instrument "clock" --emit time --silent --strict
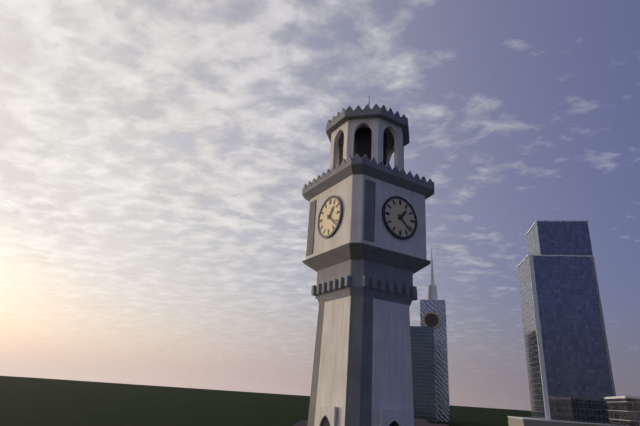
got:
1:22
